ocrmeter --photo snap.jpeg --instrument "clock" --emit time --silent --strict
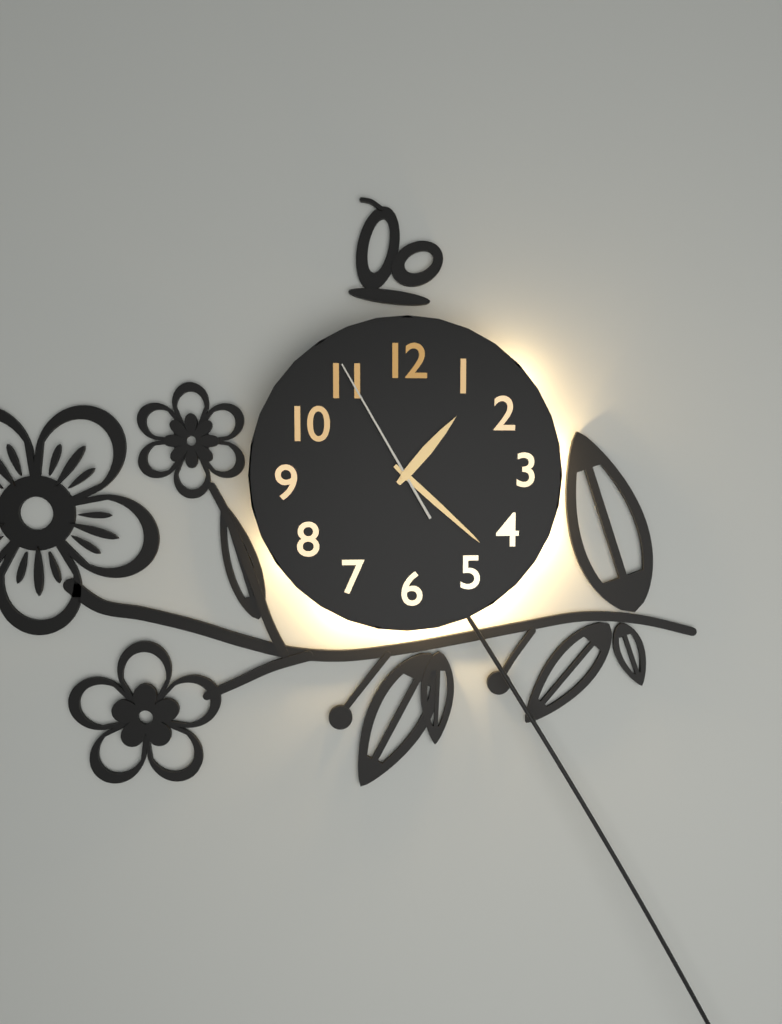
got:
1:22:55
